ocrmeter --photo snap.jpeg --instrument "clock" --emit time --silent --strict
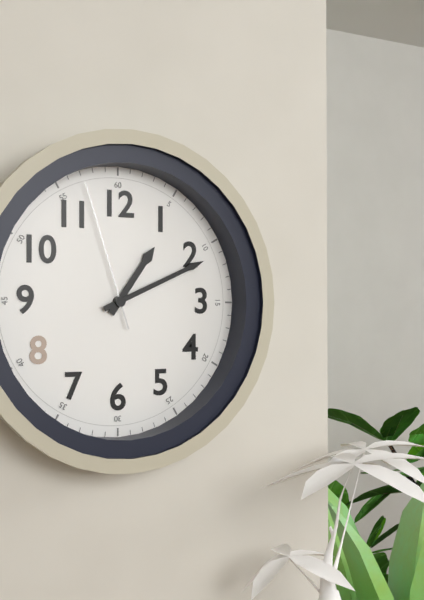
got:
1:11:57
